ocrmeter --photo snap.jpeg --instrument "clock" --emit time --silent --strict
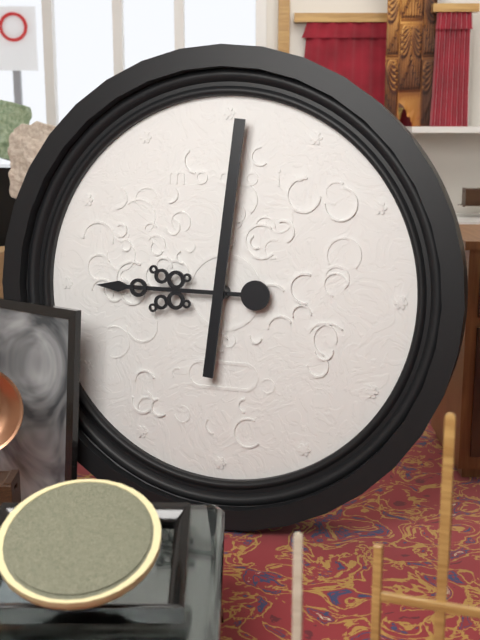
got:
9:01
